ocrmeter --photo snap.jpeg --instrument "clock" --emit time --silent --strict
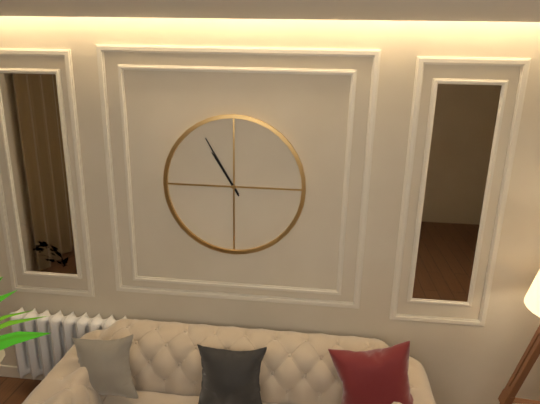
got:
10:55
